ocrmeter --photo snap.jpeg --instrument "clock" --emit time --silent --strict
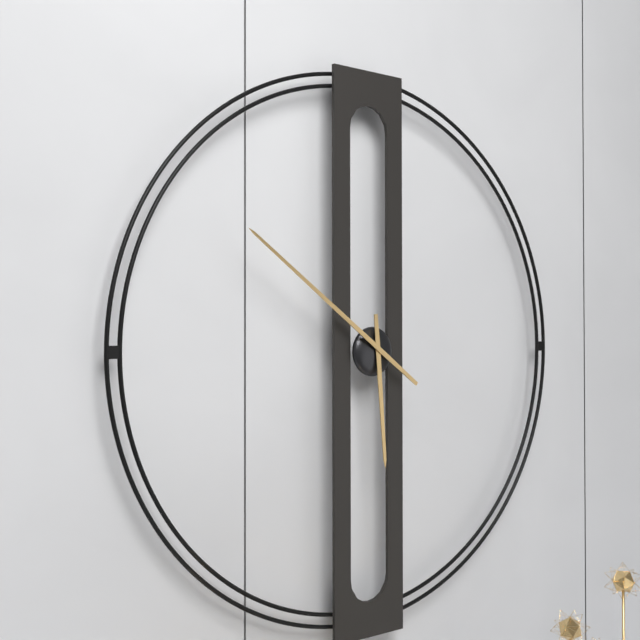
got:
5:51
